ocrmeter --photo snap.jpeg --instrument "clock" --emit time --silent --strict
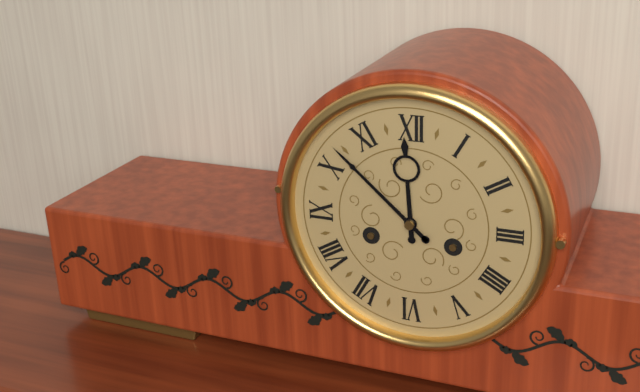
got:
11:52
